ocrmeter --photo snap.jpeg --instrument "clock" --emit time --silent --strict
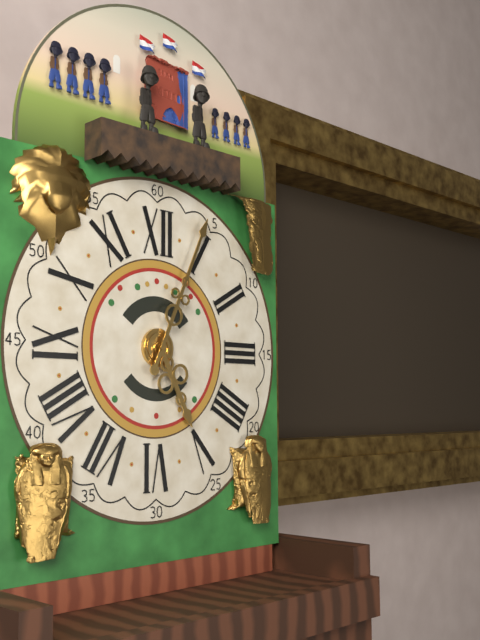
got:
5:04
